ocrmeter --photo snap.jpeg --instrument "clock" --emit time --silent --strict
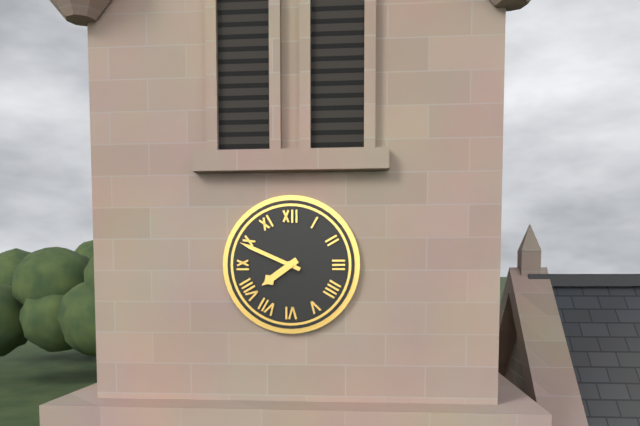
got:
7:49
